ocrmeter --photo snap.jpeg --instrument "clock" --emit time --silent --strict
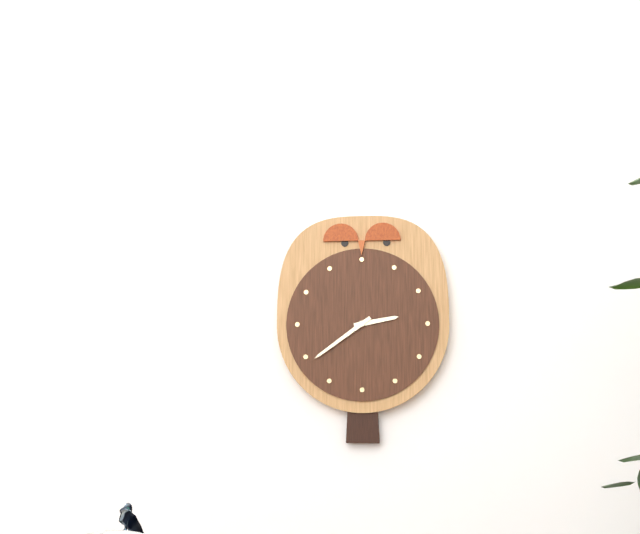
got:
2:39
